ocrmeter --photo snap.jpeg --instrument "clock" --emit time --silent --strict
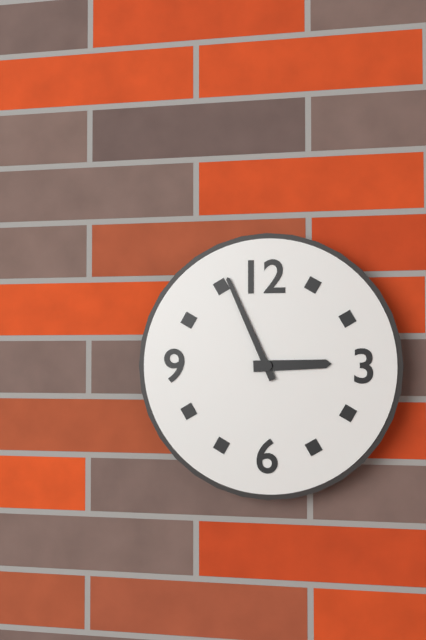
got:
2:56
